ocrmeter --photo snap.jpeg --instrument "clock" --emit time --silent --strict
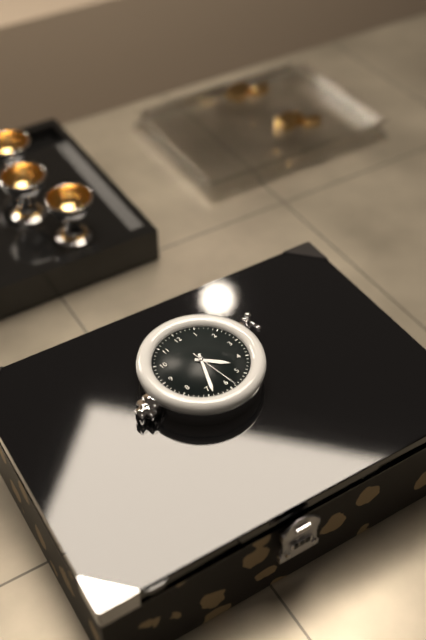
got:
4:34
